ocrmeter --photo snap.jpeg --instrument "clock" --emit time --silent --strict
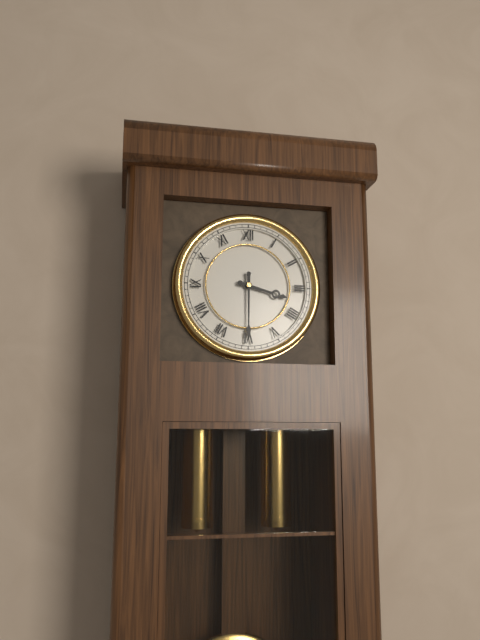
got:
3:30
